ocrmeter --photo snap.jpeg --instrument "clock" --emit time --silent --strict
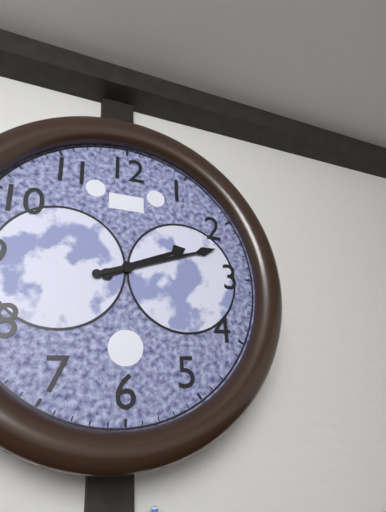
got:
2:12
